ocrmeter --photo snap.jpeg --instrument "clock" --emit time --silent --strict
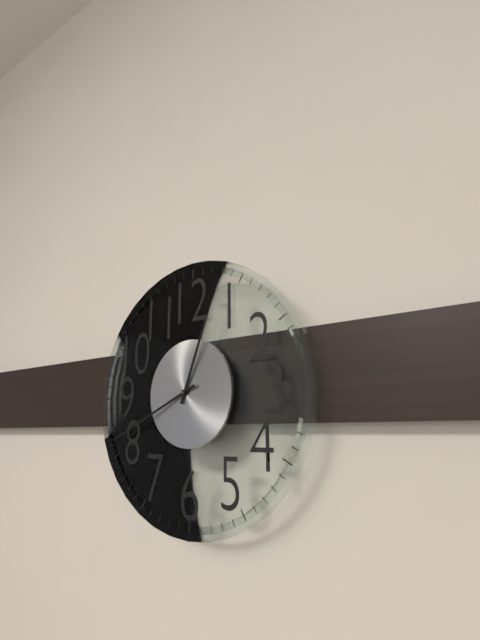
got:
12:41
